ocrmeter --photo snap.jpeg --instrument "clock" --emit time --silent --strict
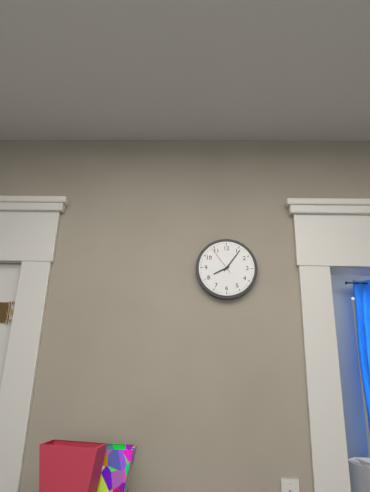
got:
8:06
